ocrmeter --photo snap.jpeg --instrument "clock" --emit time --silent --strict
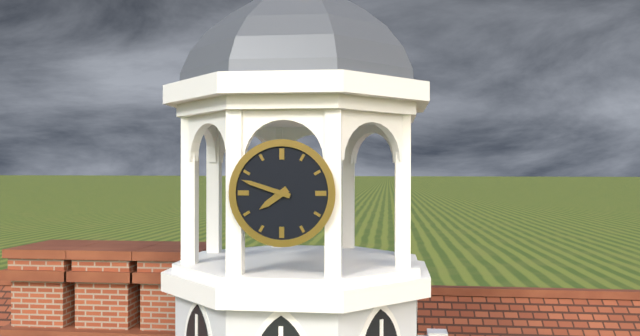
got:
7:48
